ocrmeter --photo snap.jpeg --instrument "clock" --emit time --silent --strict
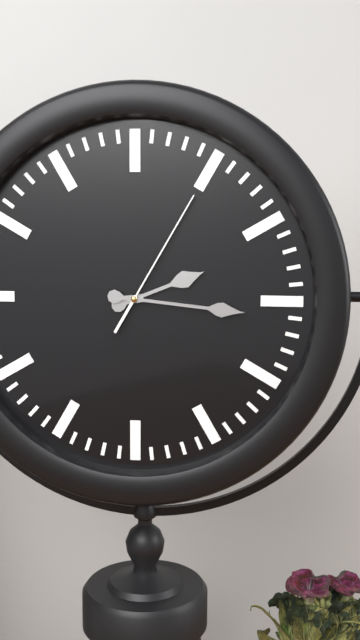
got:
2:16:05
